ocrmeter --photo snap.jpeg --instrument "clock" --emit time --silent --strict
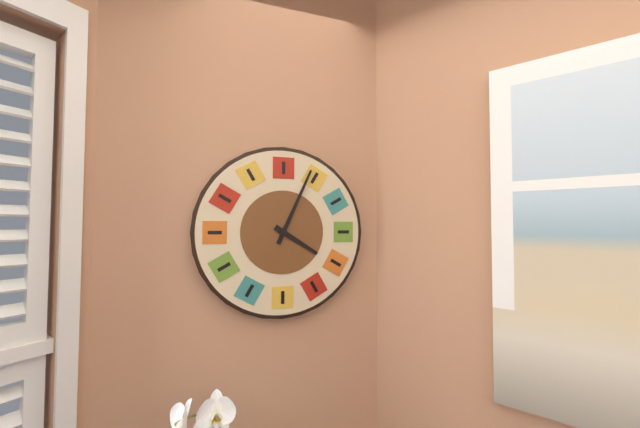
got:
4:04
